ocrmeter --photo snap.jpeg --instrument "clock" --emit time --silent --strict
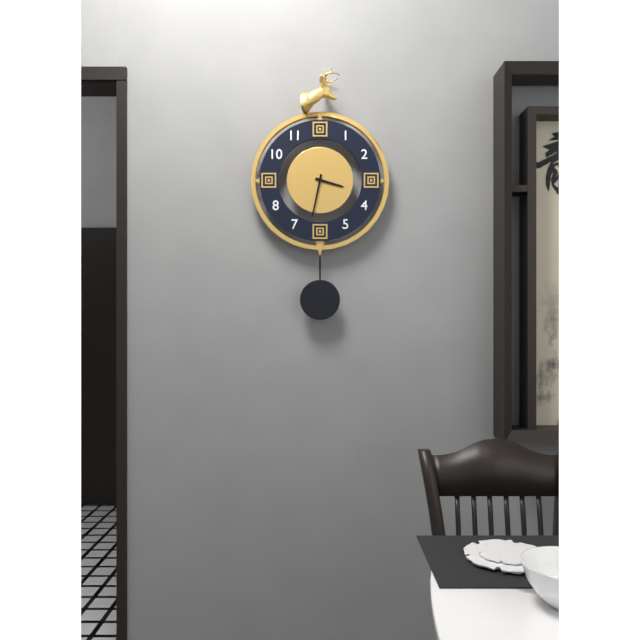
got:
3:32
